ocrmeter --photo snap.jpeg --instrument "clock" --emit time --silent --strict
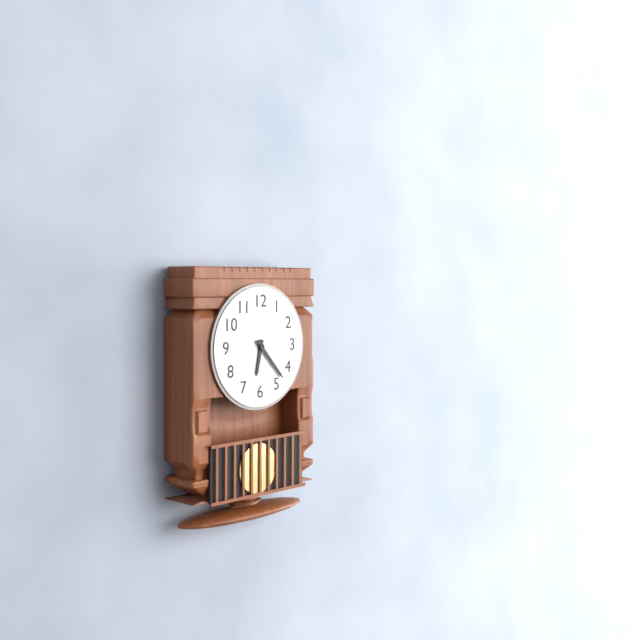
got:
6:23
